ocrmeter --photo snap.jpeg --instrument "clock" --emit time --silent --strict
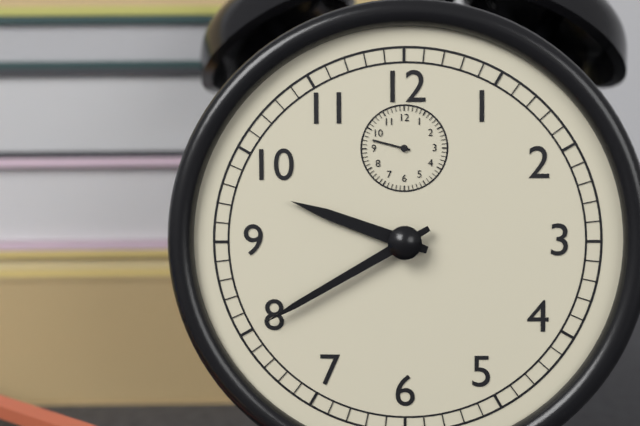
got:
9:40
